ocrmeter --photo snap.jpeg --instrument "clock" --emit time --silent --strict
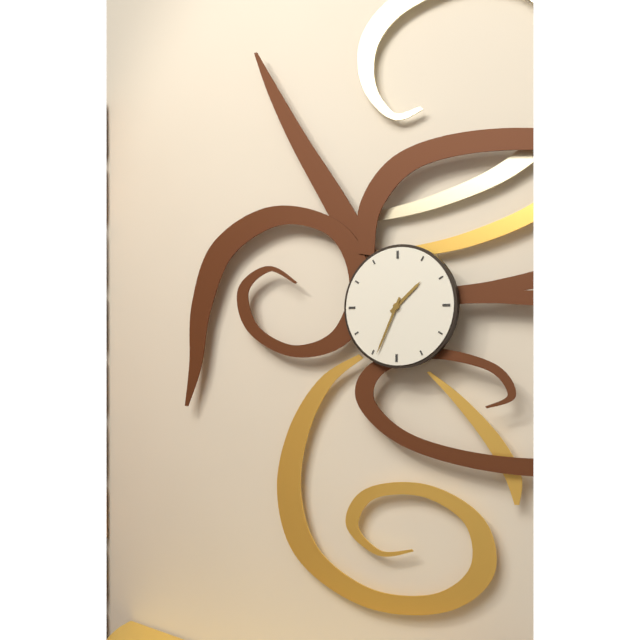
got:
1:34
